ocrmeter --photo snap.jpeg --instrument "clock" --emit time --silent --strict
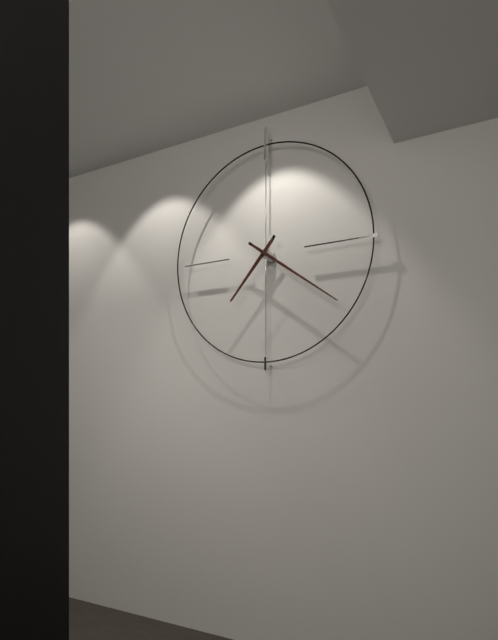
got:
7:21
